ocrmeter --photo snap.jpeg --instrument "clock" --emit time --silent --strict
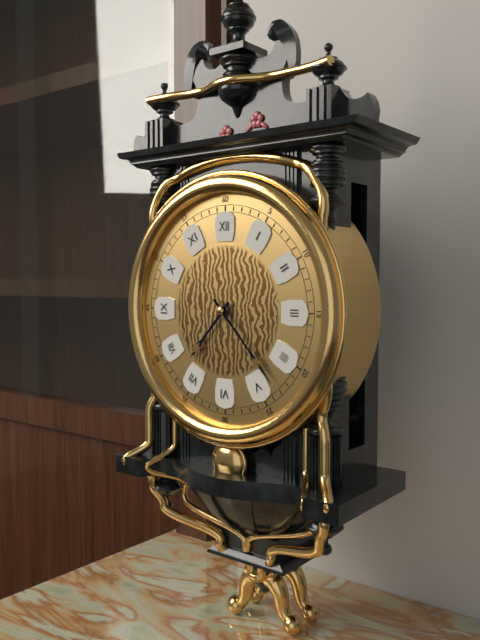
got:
7:23
